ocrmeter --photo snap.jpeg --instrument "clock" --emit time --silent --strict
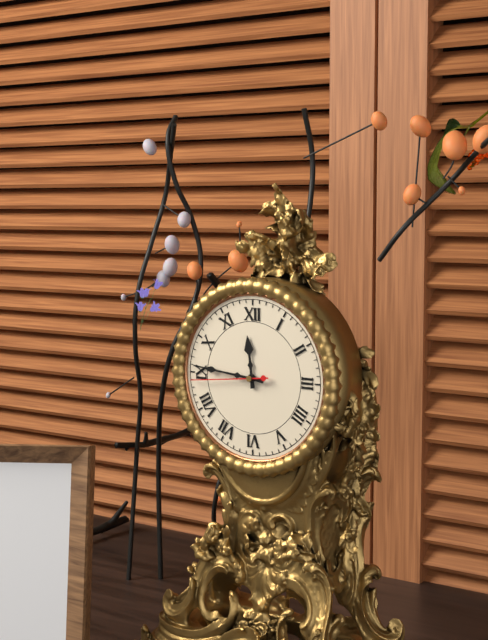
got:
11:46:44
